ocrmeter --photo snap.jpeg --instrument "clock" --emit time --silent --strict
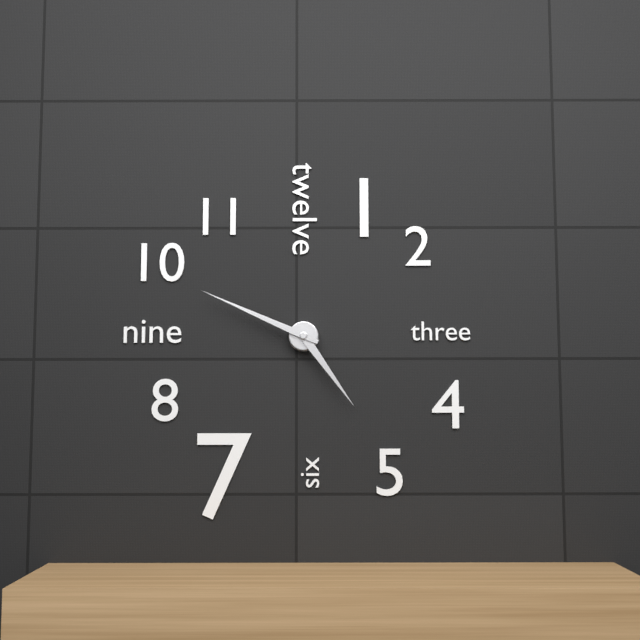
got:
4:49
